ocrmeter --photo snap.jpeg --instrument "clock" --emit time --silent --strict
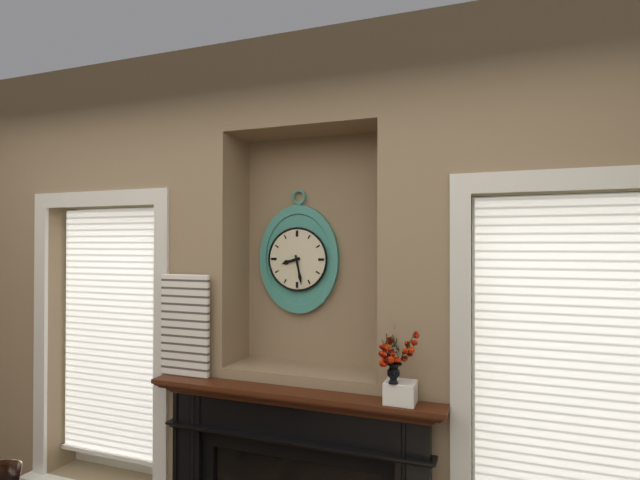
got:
8:28
